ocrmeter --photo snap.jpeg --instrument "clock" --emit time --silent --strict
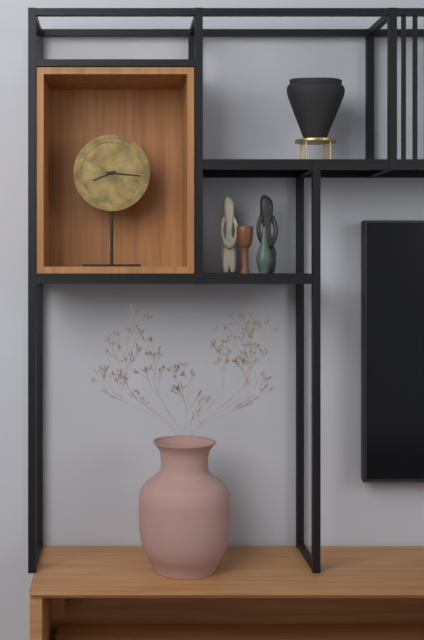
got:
8:16
